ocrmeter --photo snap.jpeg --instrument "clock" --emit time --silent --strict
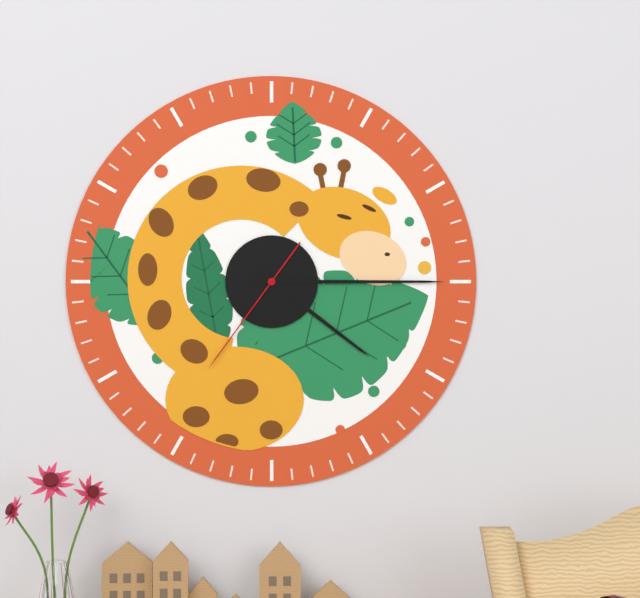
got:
4:15:36
